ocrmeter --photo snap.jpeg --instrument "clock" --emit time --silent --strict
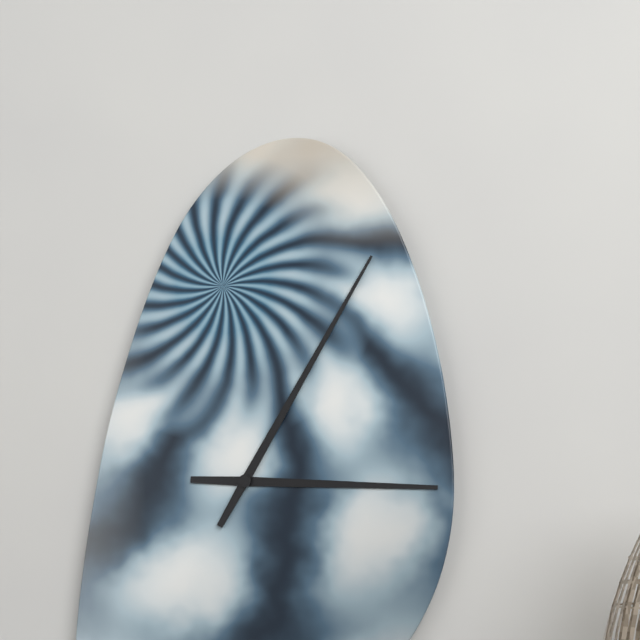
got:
3:05
